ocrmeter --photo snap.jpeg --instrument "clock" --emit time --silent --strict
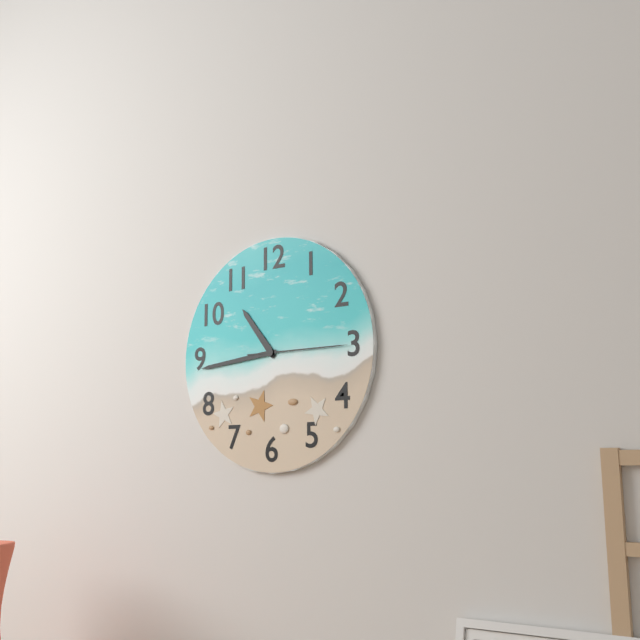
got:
10:44:15
